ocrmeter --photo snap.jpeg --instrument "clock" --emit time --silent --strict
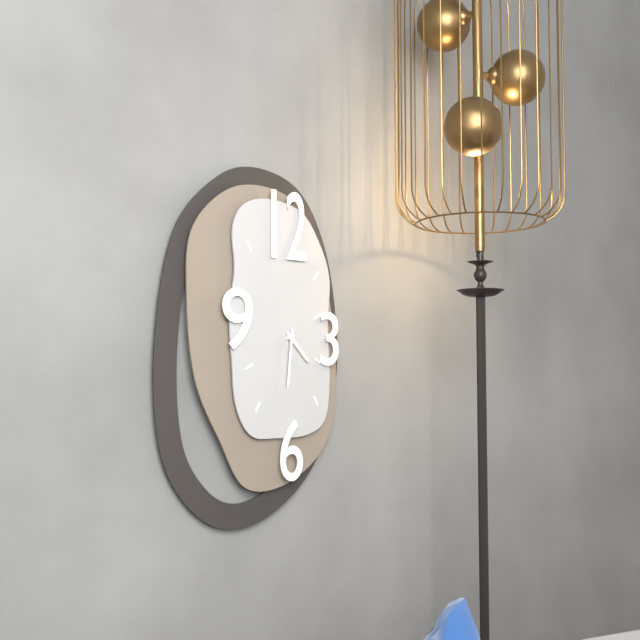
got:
4:31
